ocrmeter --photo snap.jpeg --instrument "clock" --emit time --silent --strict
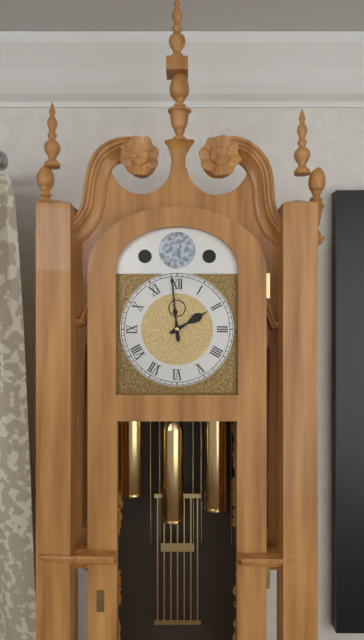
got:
1:59
